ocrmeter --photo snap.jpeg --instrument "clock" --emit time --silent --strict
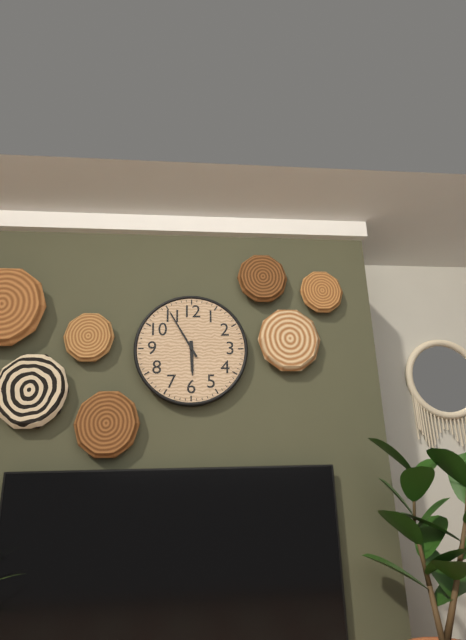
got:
5:55
